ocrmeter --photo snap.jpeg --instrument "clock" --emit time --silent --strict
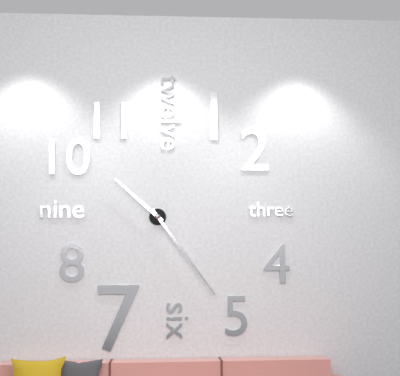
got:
10:24
